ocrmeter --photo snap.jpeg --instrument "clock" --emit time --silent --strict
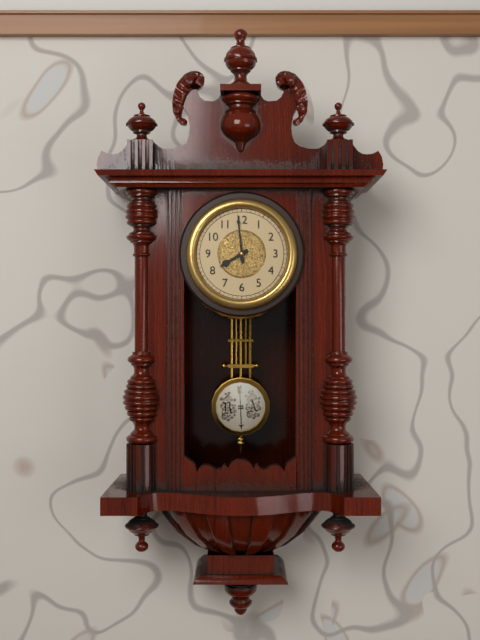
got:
7:59
